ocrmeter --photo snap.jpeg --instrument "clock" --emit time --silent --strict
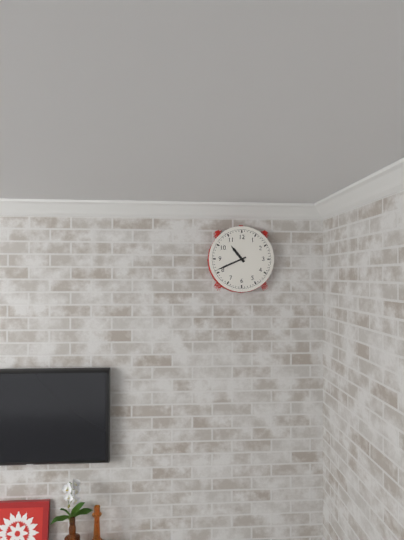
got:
10:41
